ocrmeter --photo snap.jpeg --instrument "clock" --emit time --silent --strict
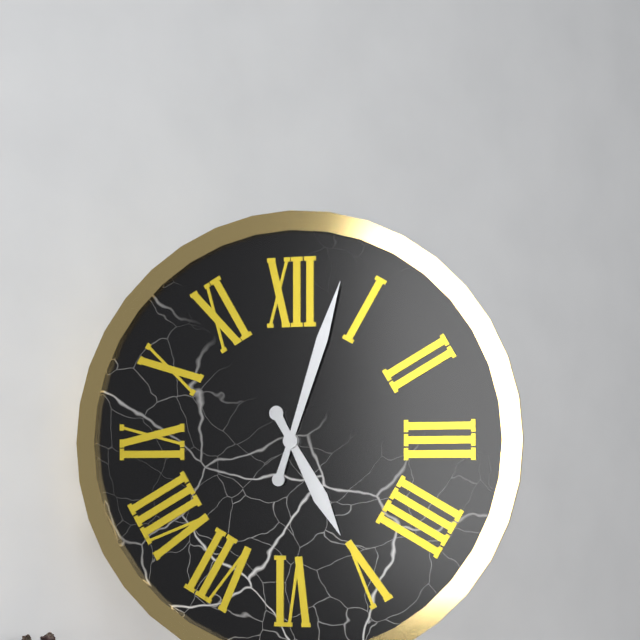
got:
5:03
